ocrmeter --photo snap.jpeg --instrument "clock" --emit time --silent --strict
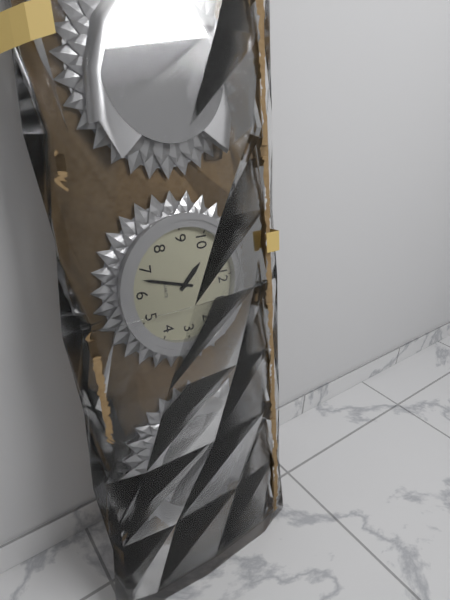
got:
10:33
